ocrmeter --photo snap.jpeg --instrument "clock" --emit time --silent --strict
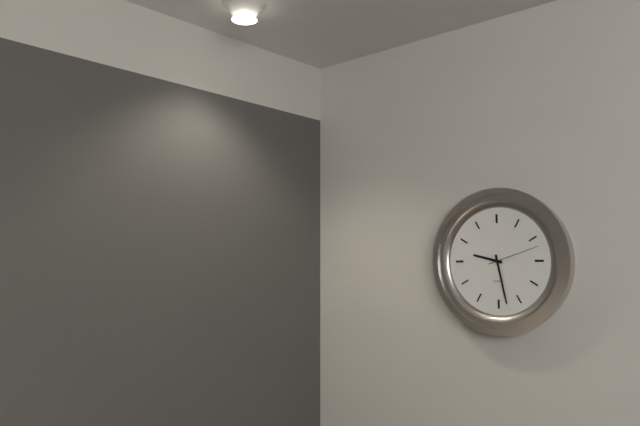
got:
9:28:12
